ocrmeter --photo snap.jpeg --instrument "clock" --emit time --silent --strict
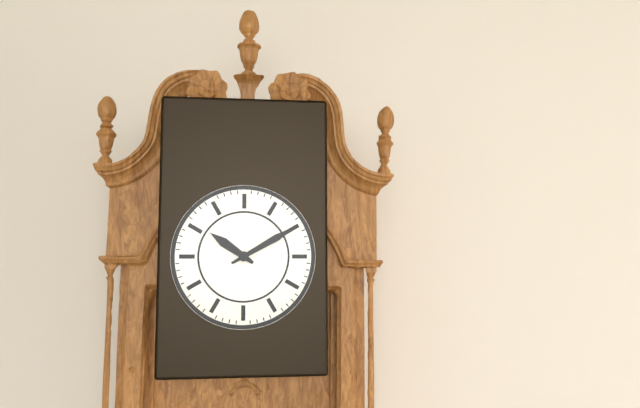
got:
10:10
